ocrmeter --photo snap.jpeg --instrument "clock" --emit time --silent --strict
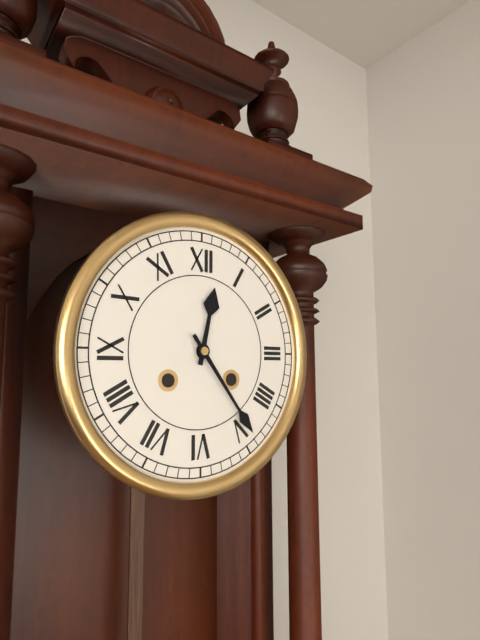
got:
12:24
